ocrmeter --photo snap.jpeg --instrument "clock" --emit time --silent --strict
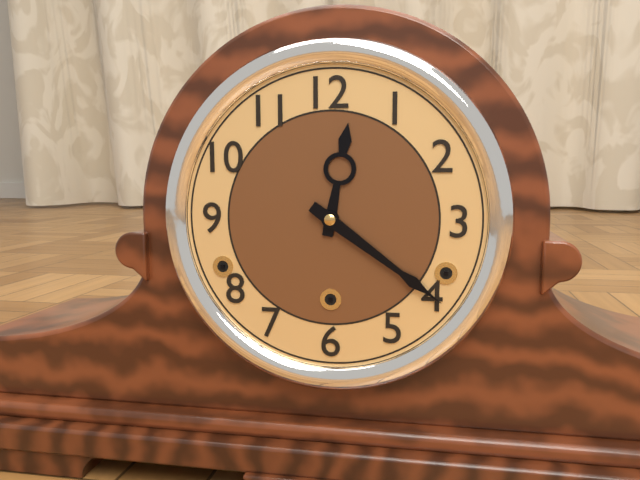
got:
12:21
